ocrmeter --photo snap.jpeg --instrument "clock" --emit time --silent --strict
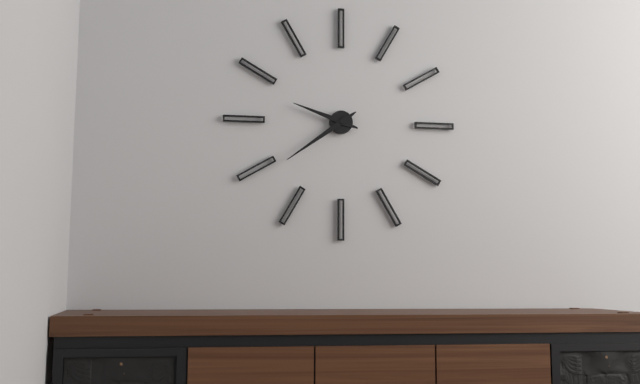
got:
9:39
